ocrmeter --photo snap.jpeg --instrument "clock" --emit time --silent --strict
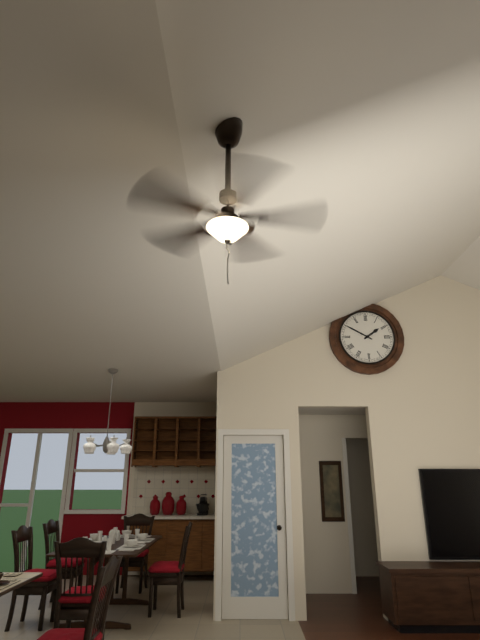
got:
1:50
